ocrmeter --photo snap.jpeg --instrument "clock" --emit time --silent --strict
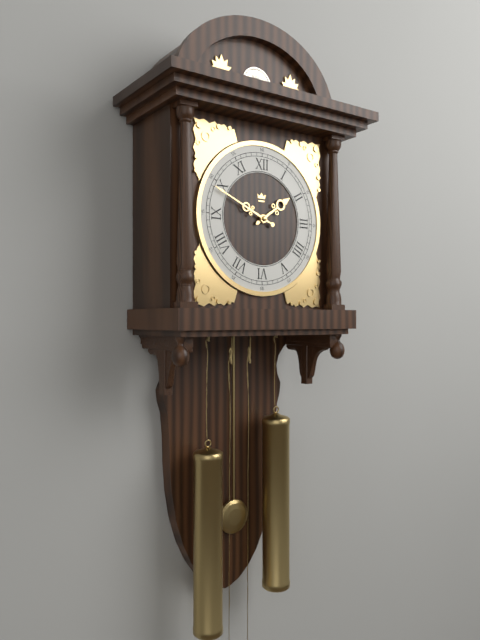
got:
1:49
